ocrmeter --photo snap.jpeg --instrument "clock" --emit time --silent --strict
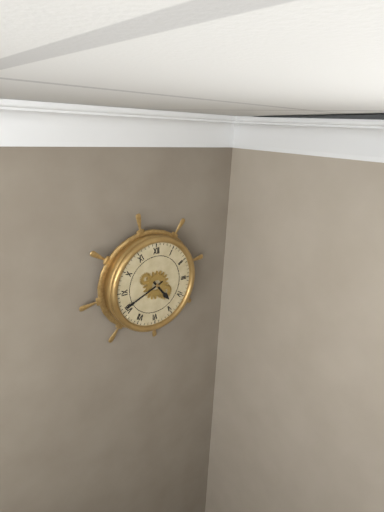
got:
4:41
